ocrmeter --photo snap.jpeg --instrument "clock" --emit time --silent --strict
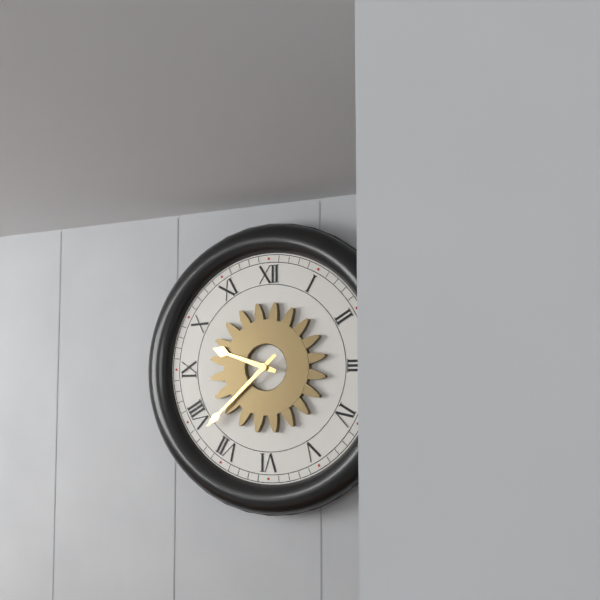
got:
9:38
